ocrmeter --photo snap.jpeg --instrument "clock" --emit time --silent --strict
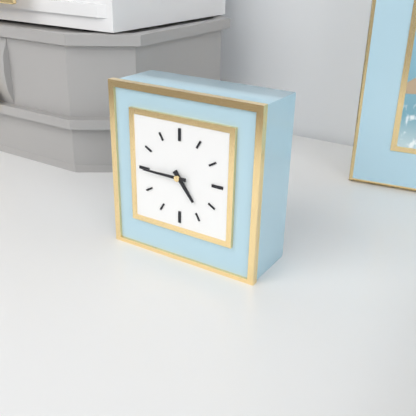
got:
4:45
